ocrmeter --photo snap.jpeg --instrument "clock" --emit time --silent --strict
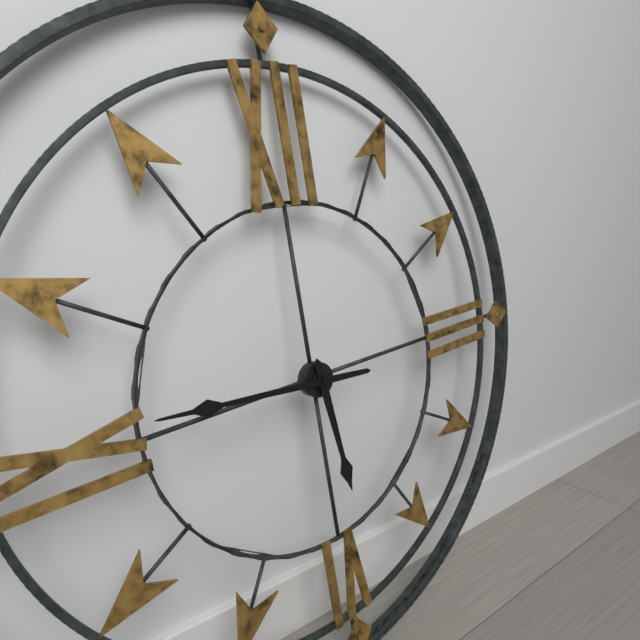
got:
5:46
